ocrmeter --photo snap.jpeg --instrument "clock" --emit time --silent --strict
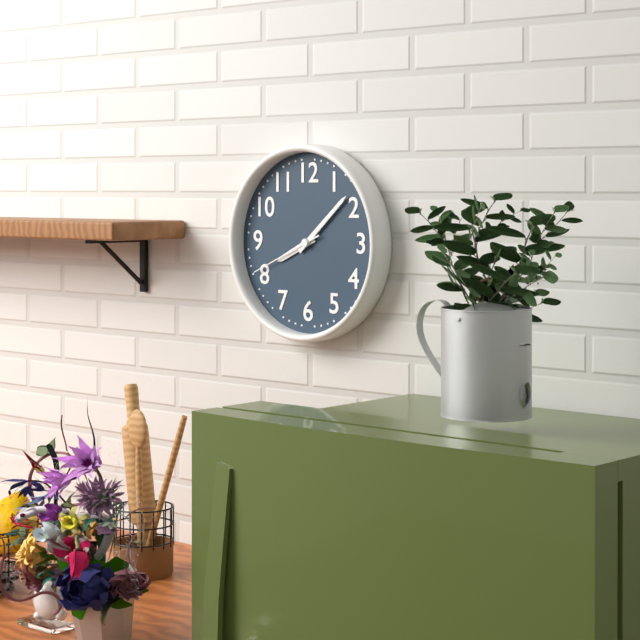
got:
8:08:41
